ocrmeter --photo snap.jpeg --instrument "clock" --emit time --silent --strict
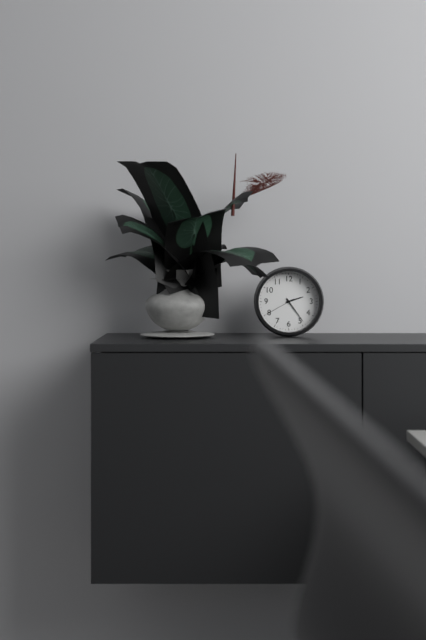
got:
2:24
